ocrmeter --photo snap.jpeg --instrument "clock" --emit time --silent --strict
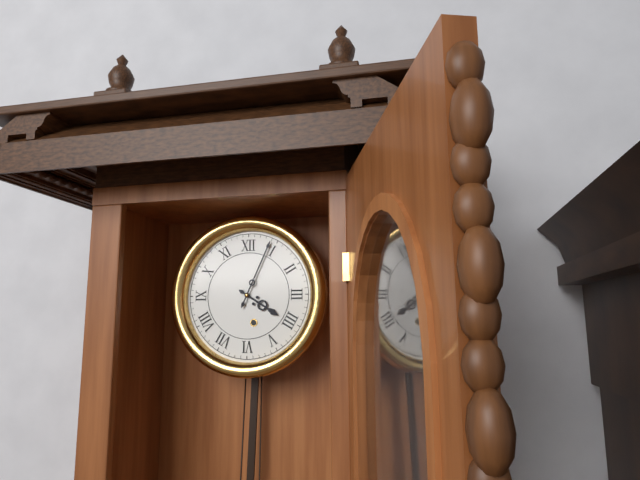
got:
4:04
